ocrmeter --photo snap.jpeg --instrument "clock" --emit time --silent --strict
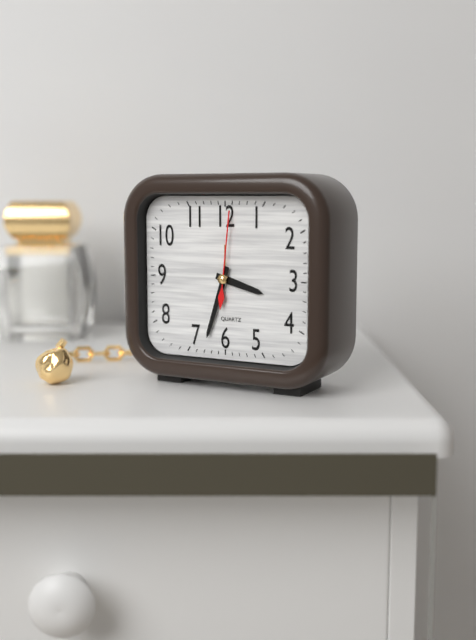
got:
3:33:01
